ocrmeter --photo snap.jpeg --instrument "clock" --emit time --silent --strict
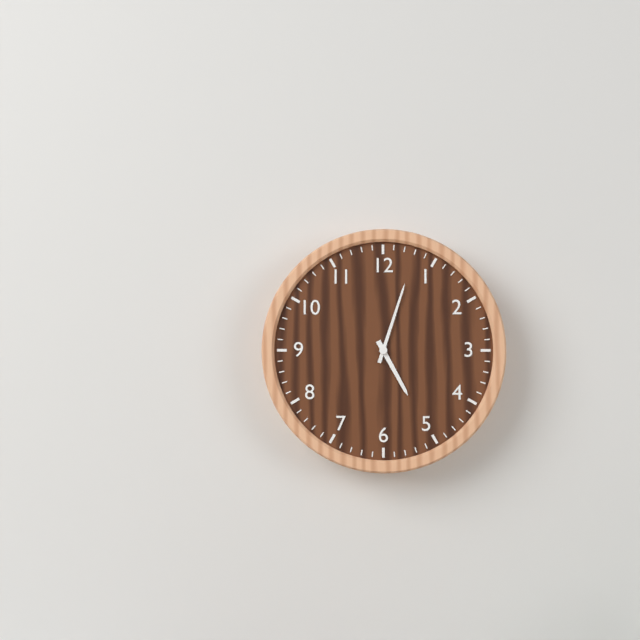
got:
5:03
